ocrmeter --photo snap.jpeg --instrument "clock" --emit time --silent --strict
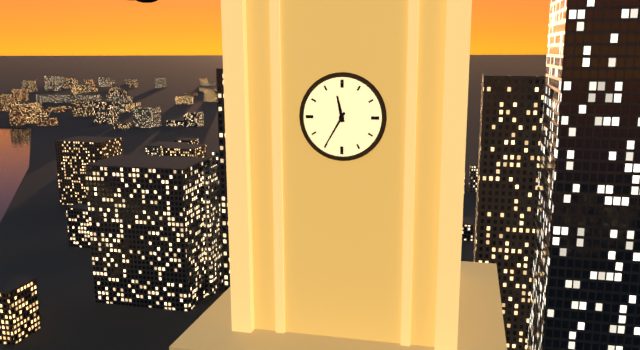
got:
11:35
